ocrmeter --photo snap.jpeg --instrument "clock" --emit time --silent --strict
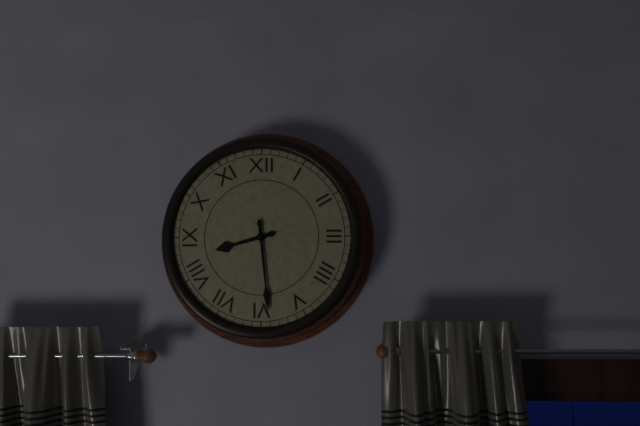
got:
8:29
